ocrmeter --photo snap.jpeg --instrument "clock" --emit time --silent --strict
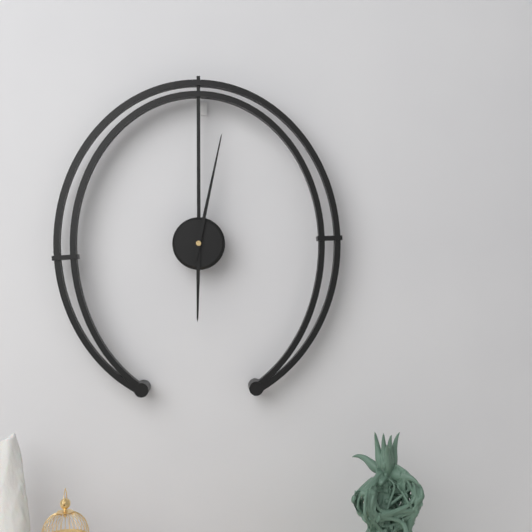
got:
6:02
